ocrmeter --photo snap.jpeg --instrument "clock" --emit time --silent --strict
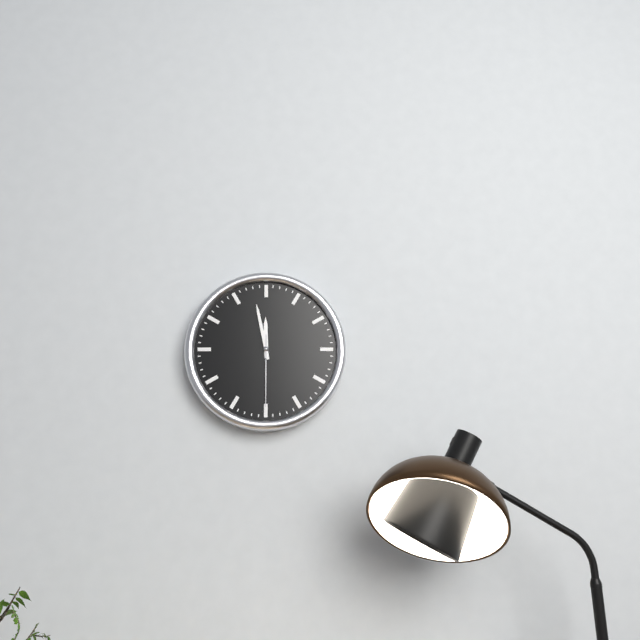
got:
11:58:30
